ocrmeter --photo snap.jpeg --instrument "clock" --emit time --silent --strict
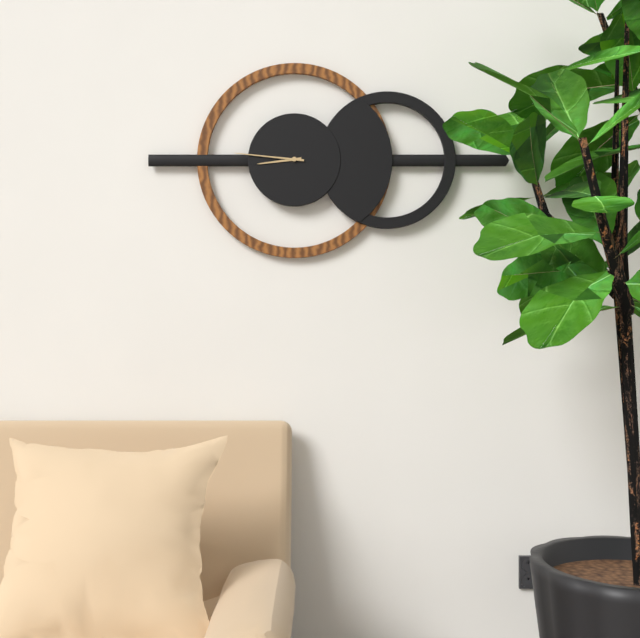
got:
8:46
